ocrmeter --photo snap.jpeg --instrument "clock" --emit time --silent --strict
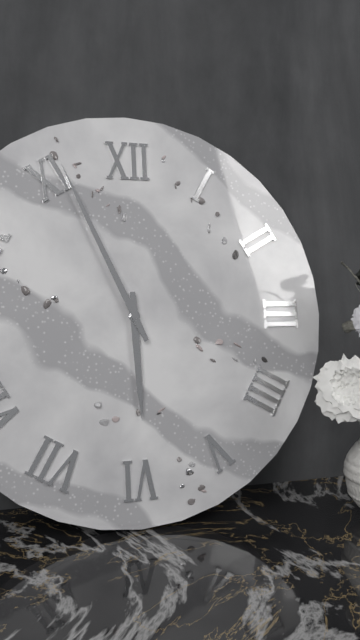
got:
5:56
